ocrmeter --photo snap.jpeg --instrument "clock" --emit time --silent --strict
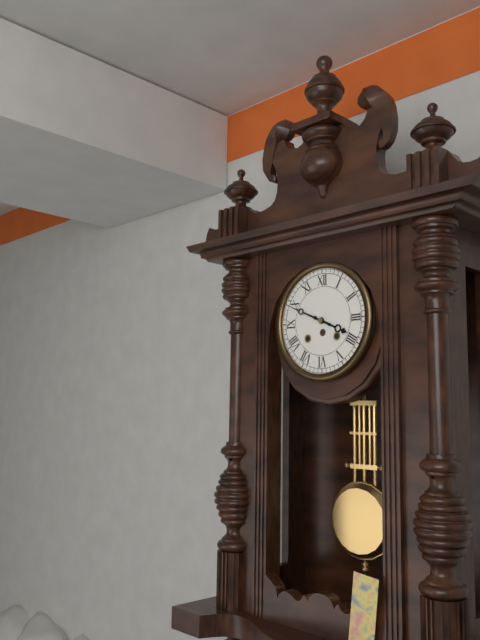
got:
3:49
